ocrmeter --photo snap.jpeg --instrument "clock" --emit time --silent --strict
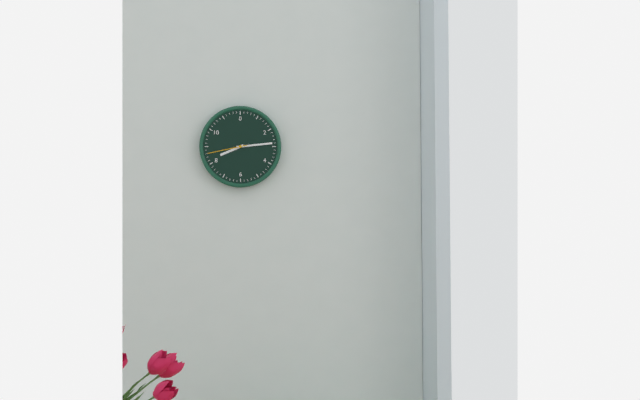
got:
8:14
